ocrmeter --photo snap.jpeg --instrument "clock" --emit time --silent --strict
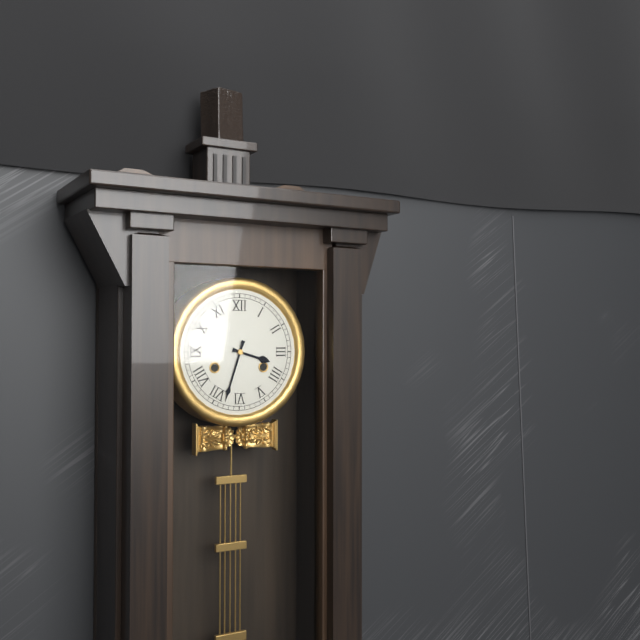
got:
3:33
